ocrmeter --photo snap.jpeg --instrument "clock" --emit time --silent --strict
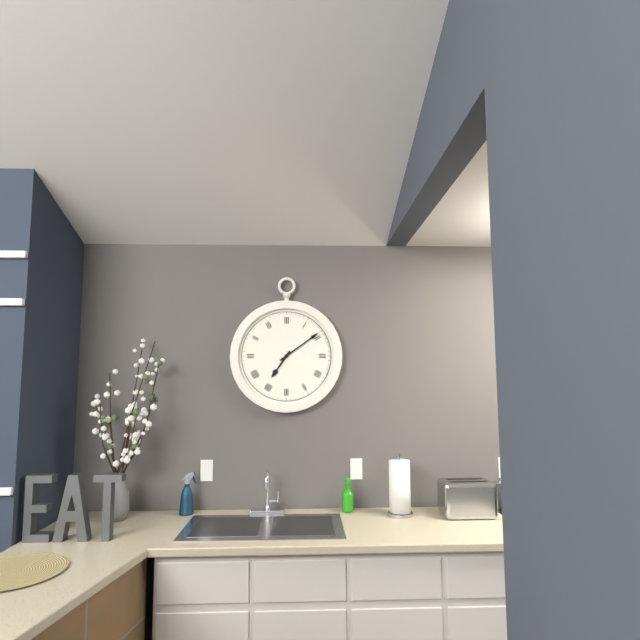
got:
7:09
